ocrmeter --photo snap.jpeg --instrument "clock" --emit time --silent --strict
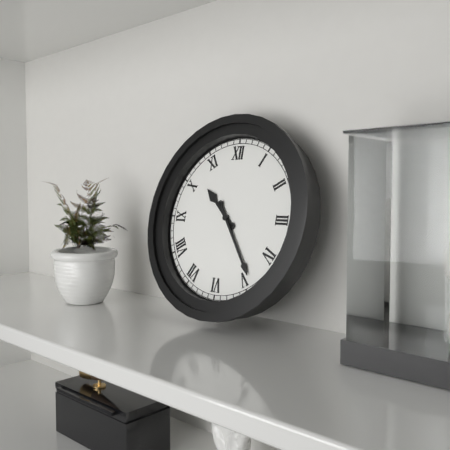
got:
10:24
